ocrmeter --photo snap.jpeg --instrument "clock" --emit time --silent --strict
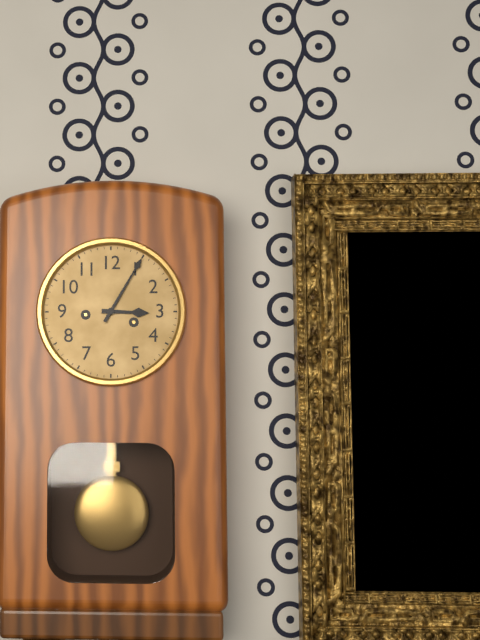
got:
3:05
